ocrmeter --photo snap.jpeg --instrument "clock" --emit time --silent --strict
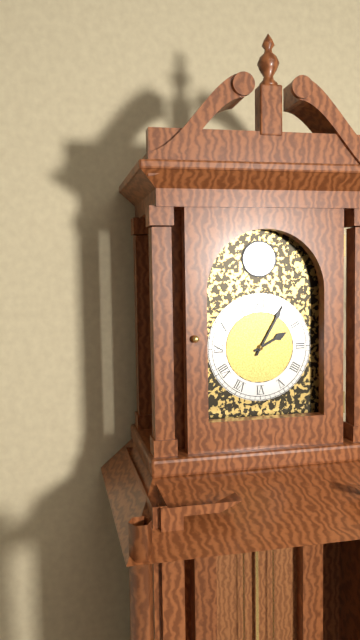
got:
2:05
